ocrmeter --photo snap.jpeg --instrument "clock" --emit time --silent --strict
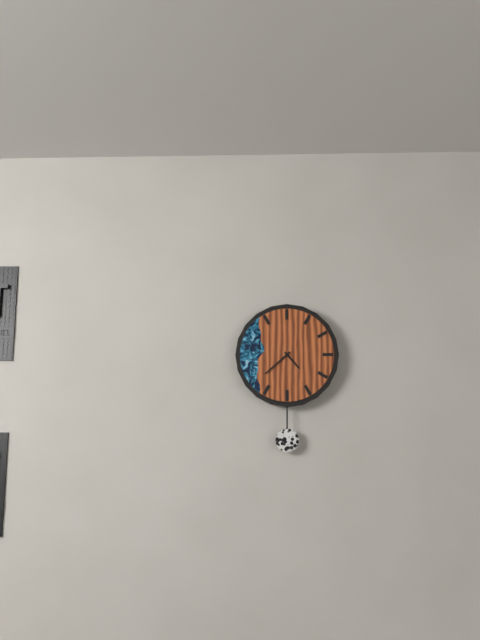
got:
4:38
